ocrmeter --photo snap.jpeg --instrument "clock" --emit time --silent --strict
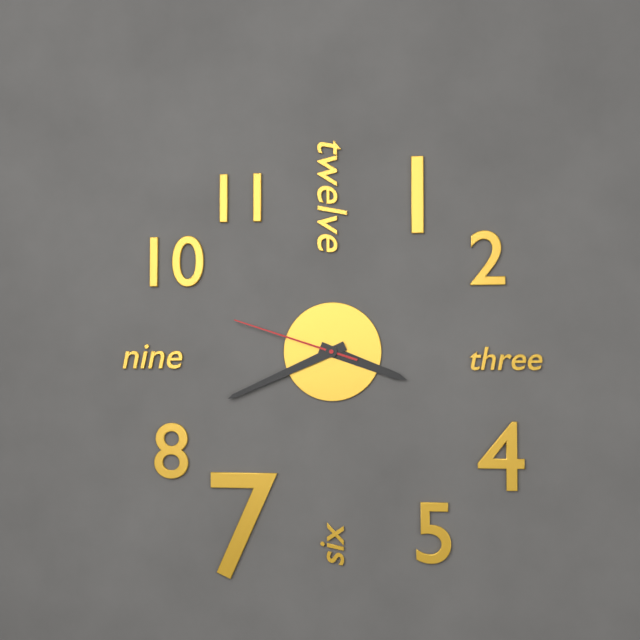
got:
3:41:48
